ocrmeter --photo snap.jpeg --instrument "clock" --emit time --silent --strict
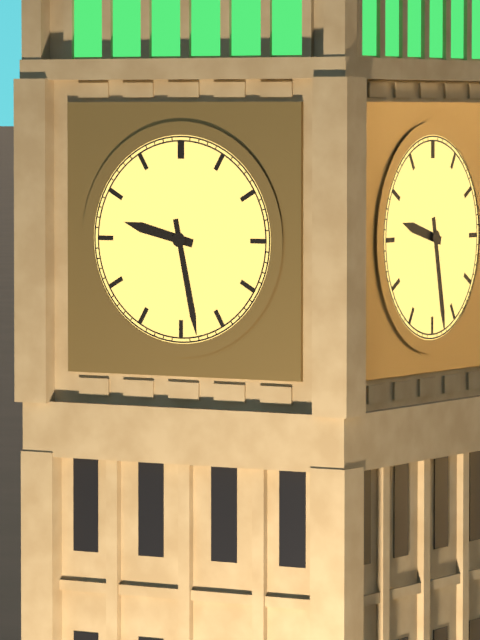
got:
9:28
